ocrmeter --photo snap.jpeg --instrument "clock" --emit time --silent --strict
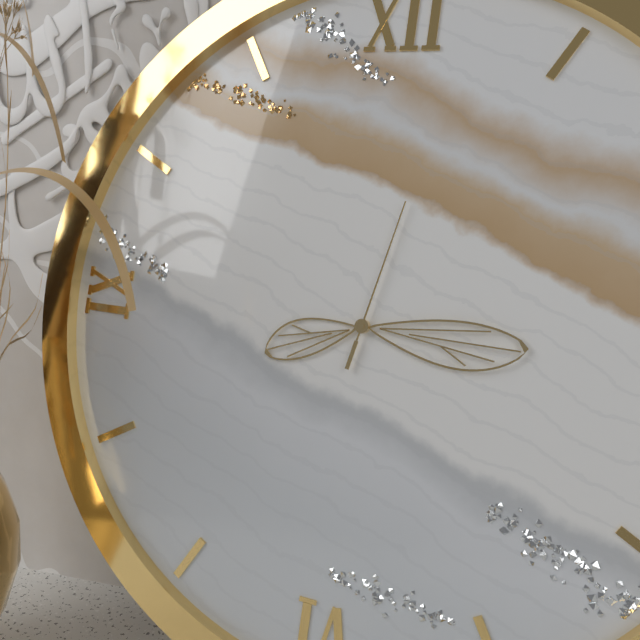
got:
8:15:02
